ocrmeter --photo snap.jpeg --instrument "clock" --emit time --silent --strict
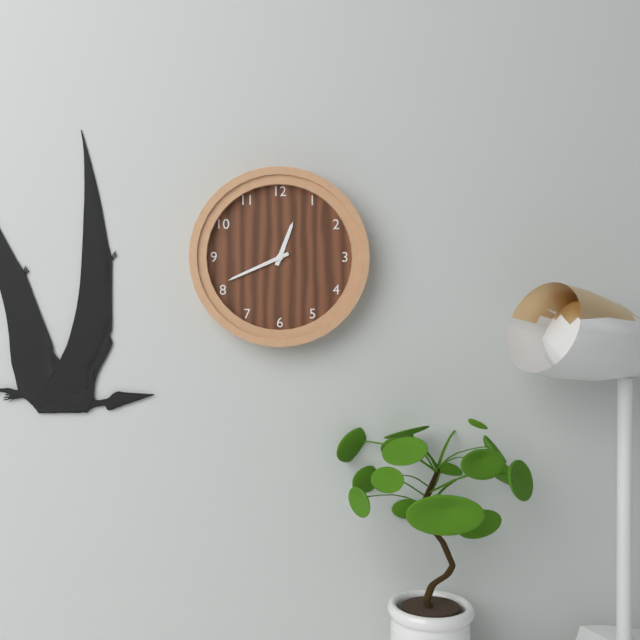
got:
12:41
